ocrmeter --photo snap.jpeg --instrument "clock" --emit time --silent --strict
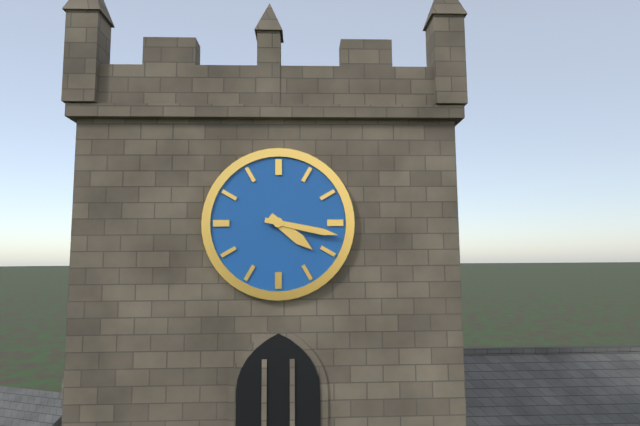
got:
4:17
